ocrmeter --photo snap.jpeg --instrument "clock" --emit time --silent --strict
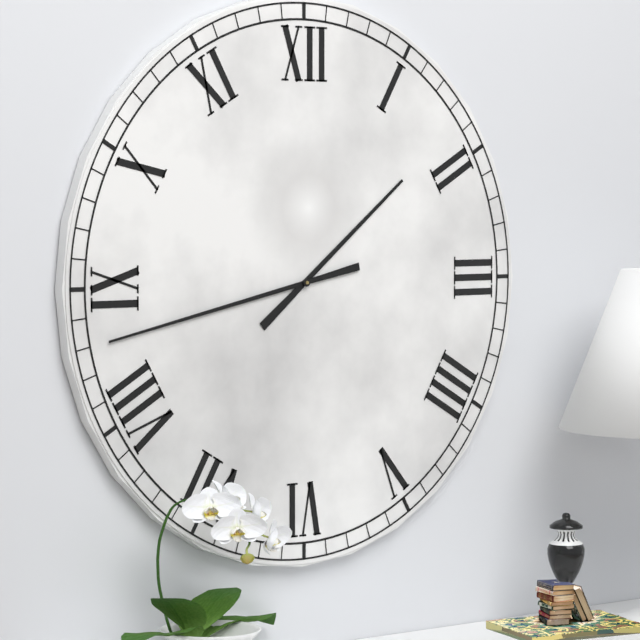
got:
1:43
